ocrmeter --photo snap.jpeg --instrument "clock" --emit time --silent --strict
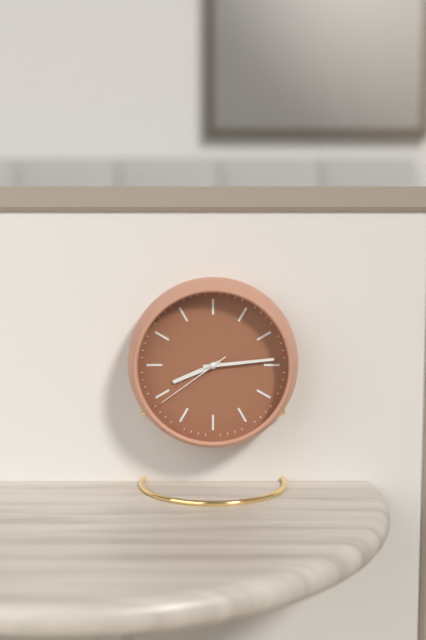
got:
8:14:39
